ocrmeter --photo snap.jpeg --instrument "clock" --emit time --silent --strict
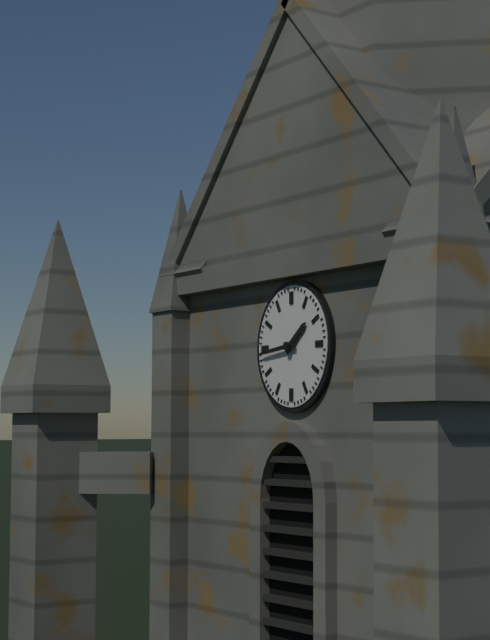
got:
1:44
